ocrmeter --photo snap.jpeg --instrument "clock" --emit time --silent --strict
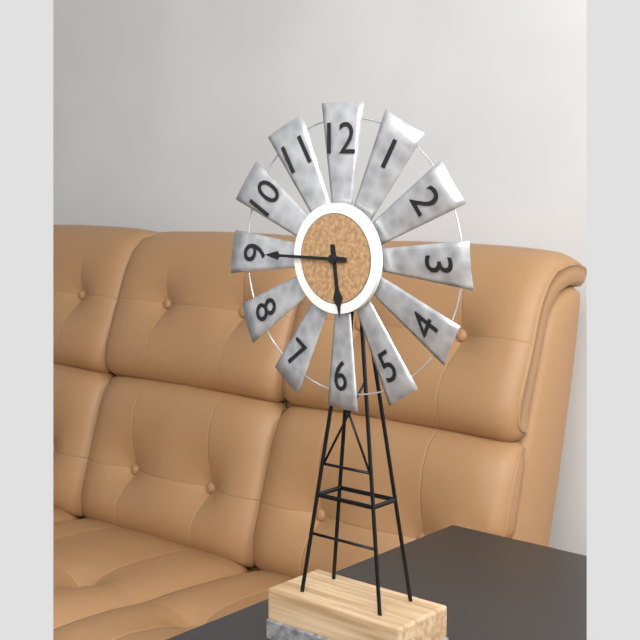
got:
5:45
